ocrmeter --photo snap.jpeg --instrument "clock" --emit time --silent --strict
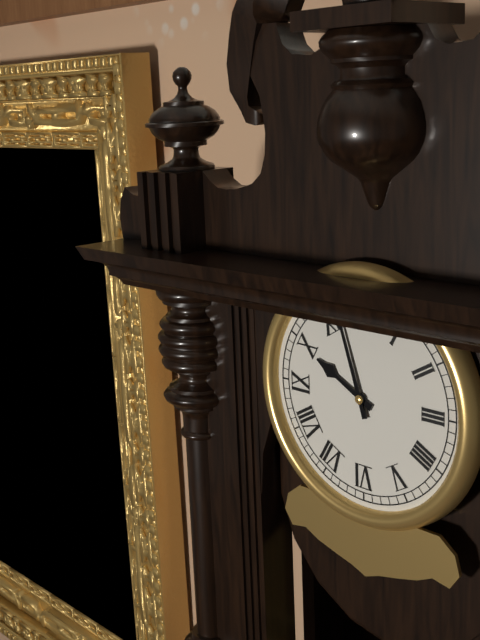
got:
9:57
